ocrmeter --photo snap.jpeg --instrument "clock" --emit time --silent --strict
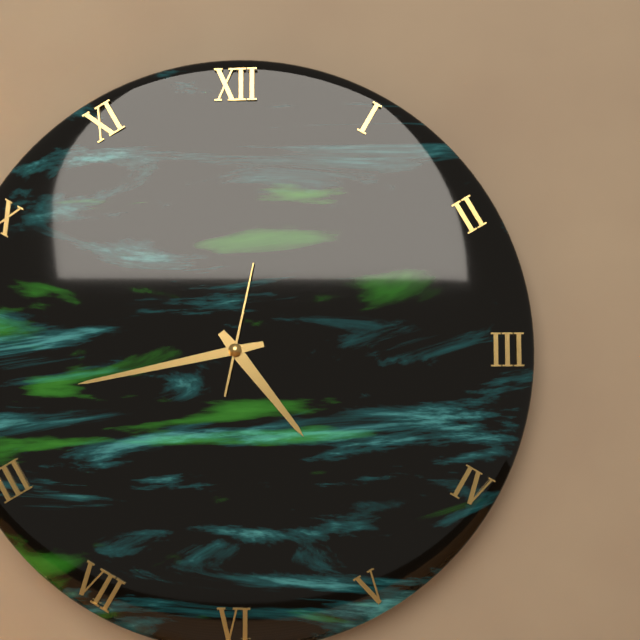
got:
4:43:02
